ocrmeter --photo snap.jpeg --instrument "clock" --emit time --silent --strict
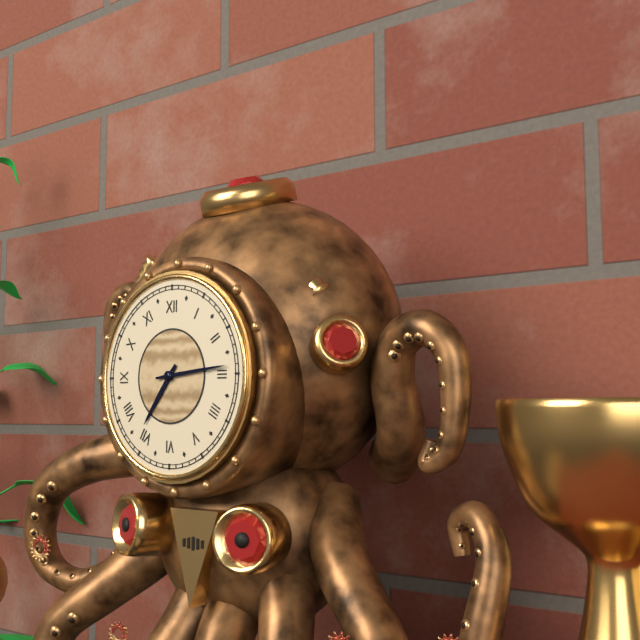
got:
7:14
